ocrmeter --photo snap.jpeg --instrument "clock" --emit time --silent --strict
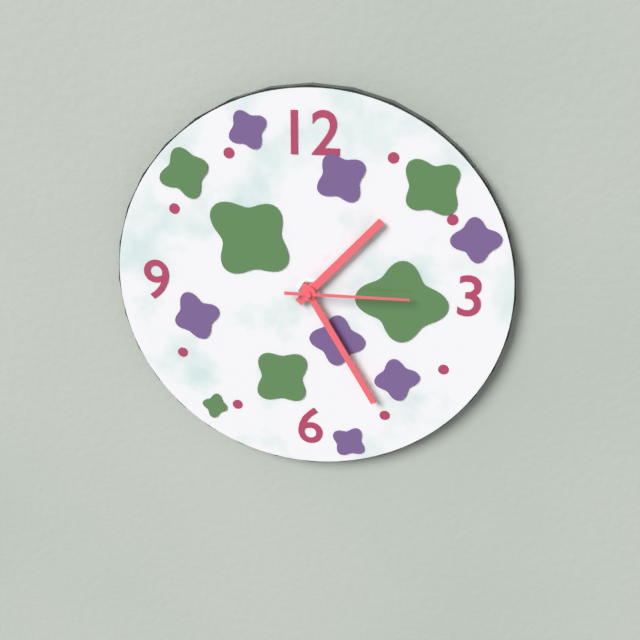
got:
1:25:15
